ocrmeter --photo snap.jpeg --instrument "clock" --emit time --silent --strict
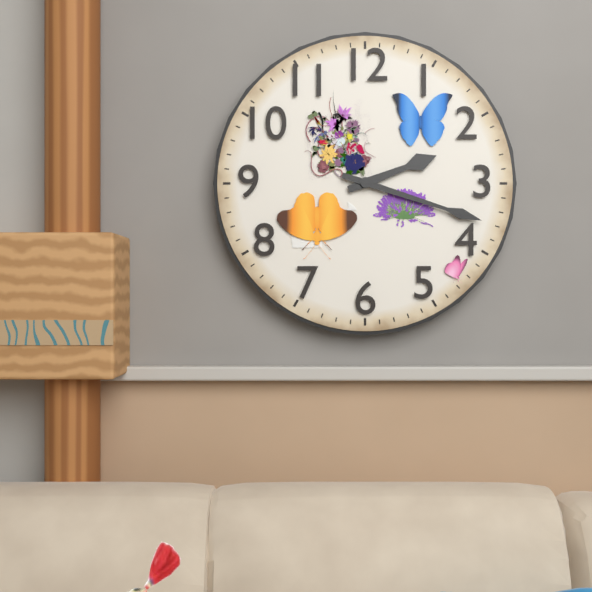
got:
2:18
